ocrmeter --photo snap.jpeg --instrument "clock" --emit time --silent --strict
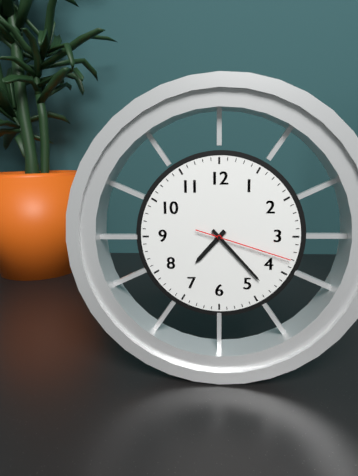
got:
7:23:18
